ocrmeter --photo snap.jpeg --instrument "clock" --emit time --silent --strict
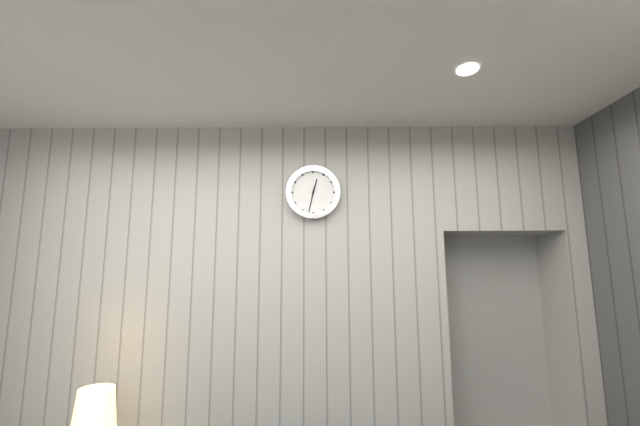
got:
12:32
